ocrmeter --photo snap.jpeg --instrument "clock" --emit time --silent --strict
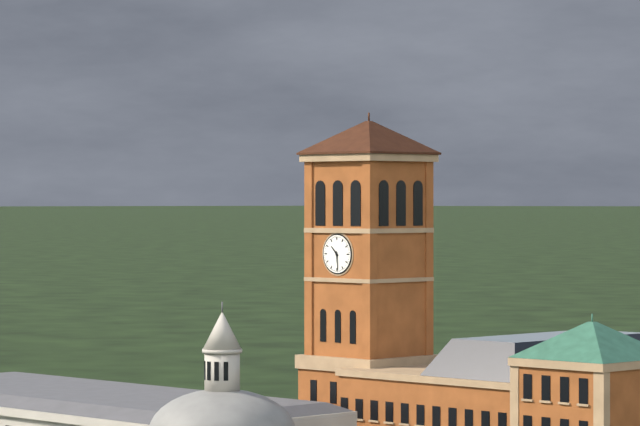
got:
10:29
